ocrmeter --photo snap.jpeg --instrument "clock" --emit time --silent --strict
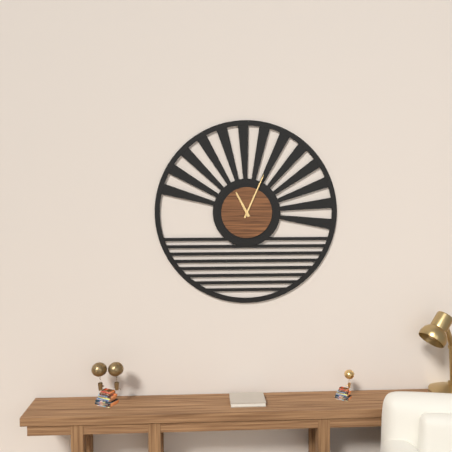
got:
11:04
